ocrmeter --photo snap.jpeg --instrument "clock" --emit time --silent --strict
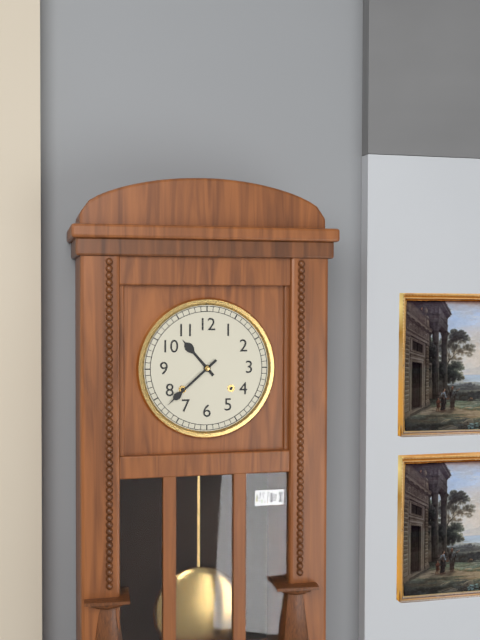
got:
10:38
